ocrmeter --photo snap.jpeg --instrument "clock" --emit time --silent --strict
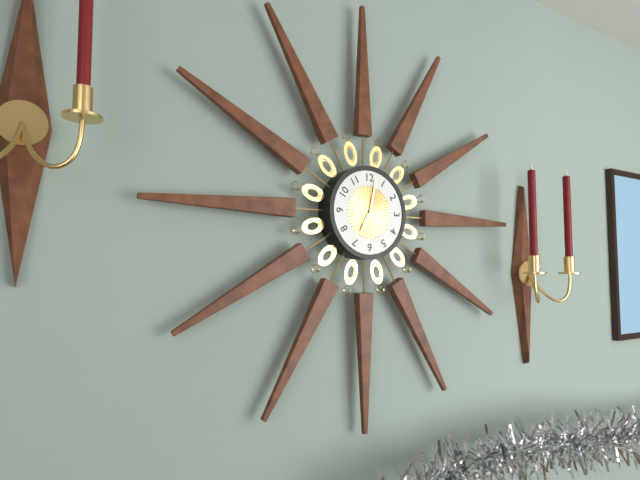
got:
7:02
